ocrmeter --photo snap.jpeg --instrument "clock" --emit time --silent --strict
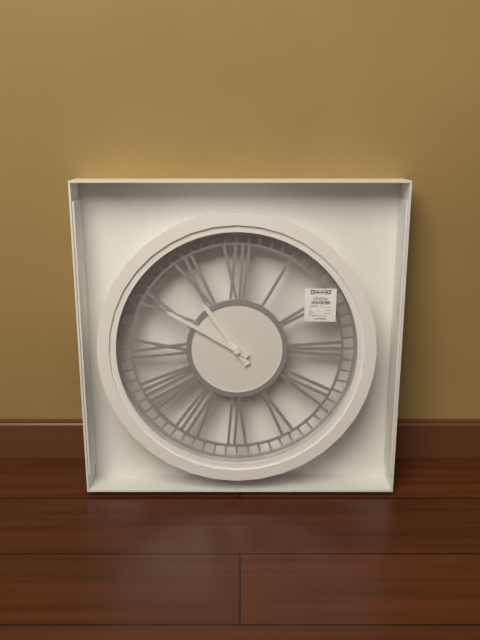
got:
10:50
